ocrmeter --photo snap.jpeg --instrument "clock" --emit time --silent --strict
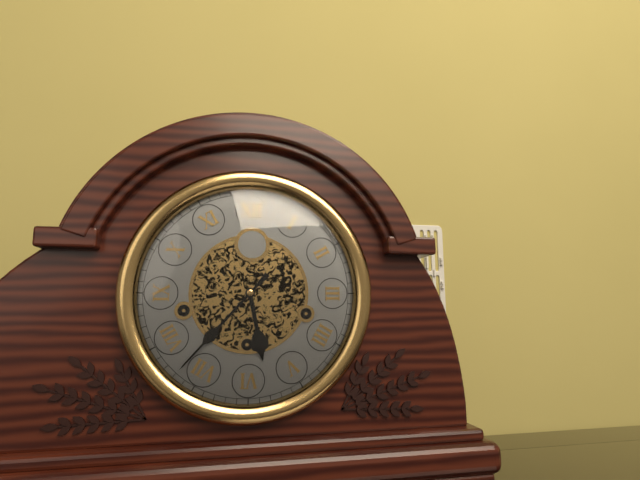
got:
5:37
